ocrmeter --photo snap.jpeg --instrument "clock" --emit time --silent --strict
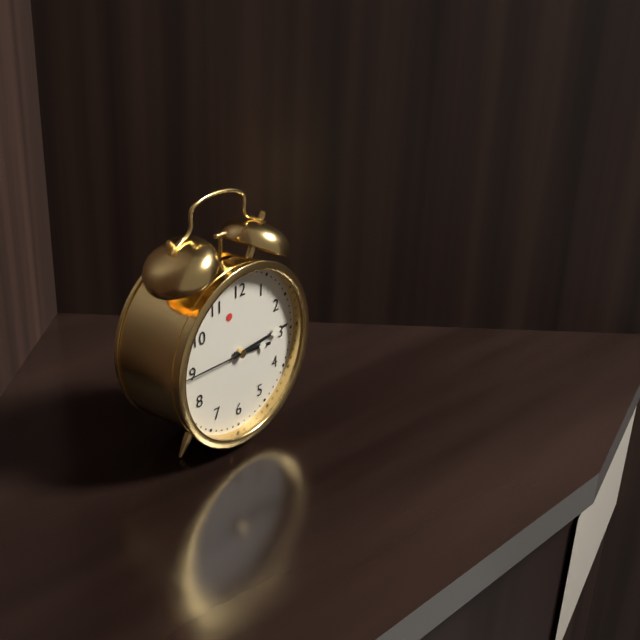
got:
3:14:45
